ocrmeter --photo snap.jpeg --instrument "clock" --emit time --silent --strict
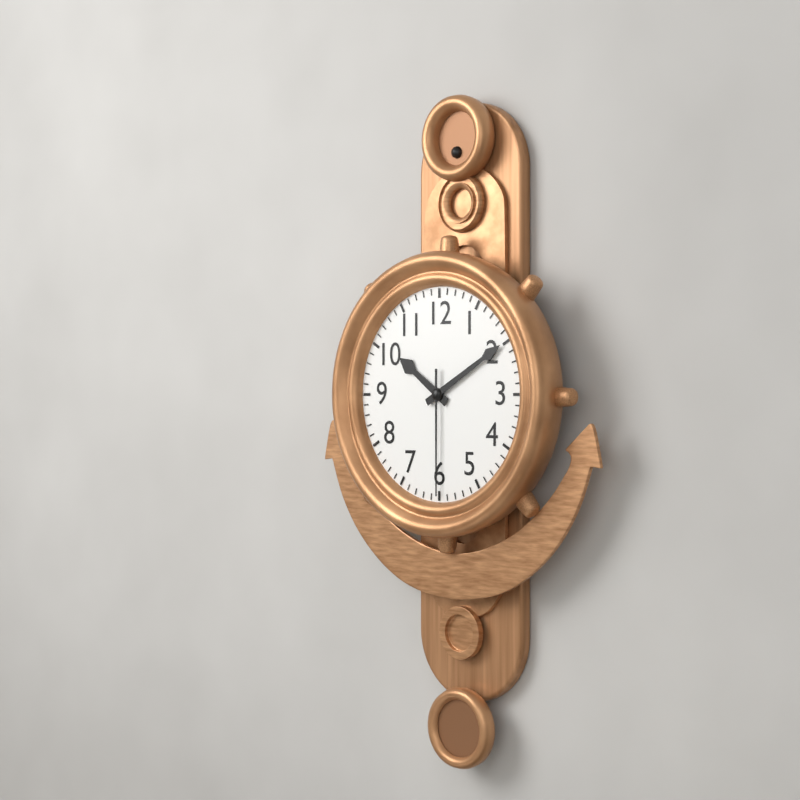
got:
10:10:30
